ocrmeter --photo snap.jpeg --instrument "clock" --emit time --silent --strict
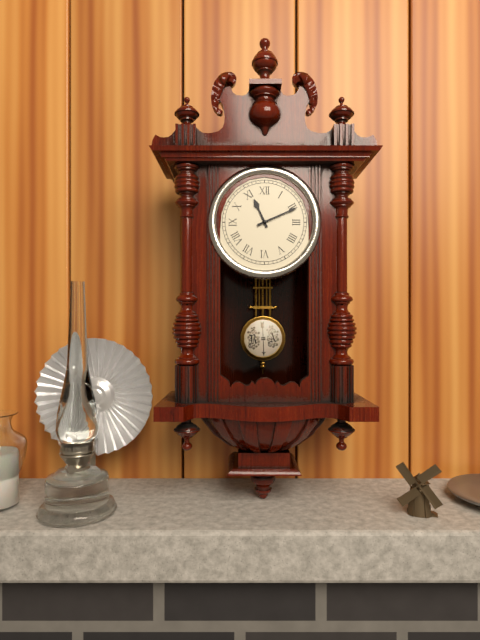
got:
11:11
